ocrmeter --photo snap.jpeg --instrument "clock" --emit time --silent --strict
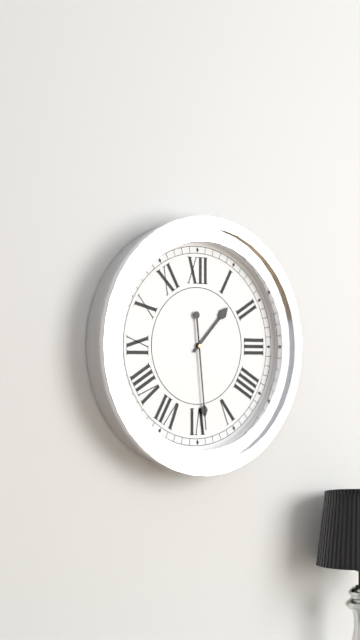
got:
1:29
